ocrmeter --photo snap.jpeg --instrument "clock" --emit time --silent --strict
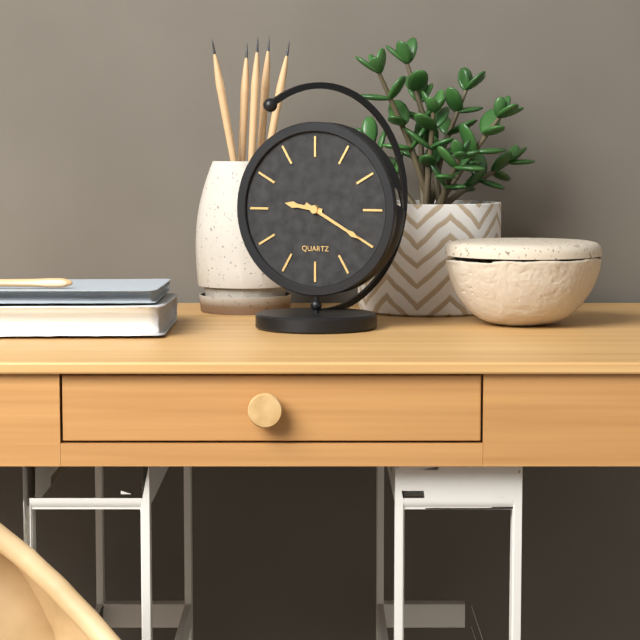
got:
9:20
